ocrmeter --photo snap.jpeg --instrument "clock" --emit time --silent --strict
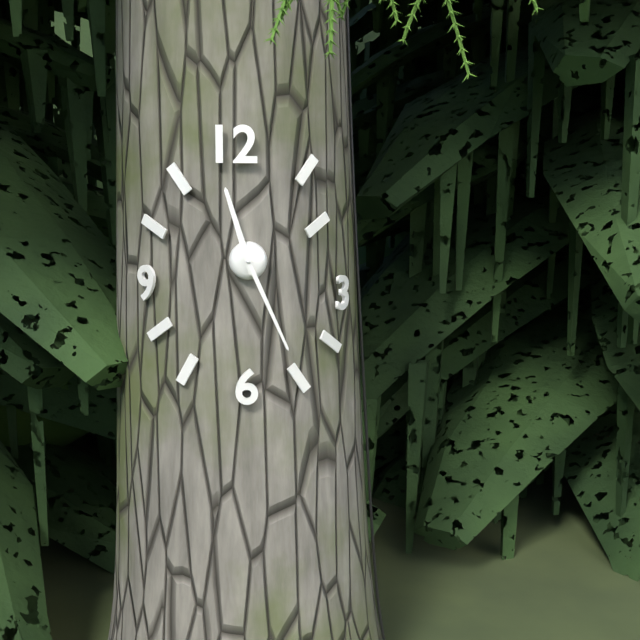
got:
11:26
